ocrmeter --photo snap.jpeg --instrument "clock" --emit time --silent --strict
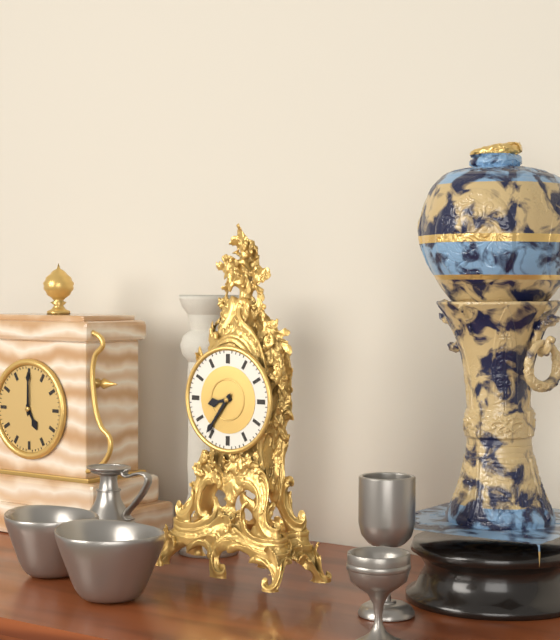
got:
8:36
